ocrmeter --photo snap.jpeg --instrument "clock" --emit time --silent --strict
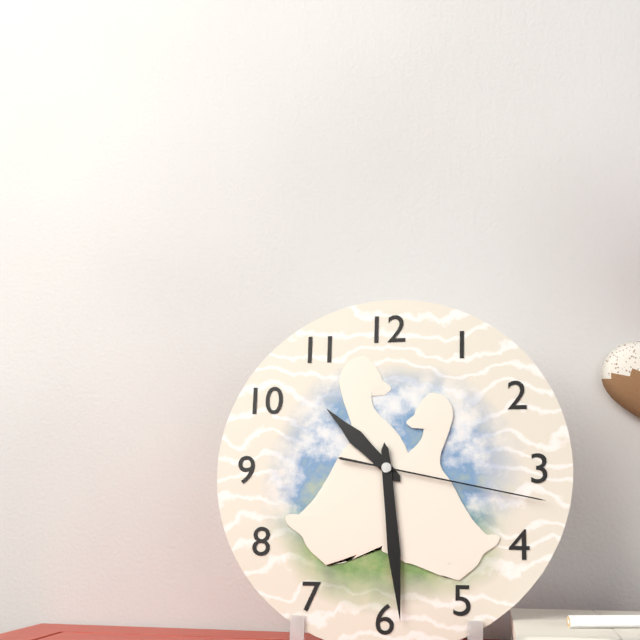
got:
10:29:17
